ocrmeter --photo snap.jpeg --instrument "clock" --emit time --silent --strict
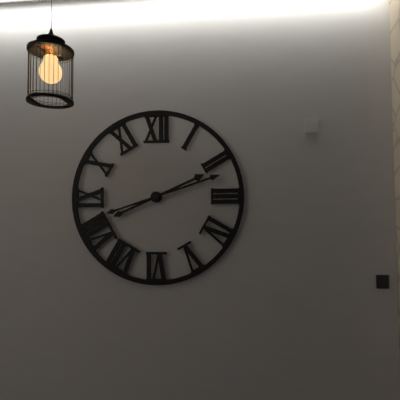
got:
2:12
